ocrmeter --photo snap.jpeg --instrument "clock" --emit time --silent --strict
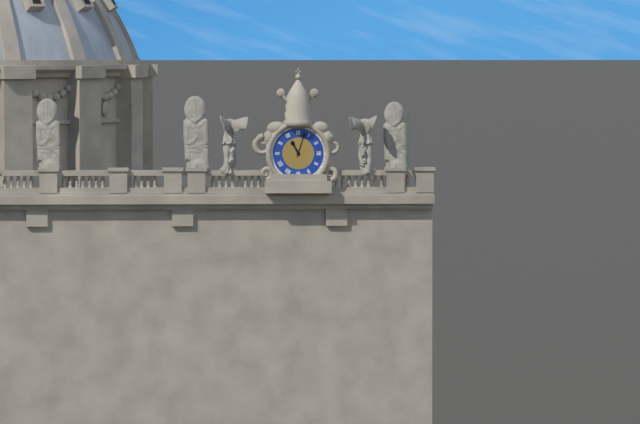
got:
11:03
